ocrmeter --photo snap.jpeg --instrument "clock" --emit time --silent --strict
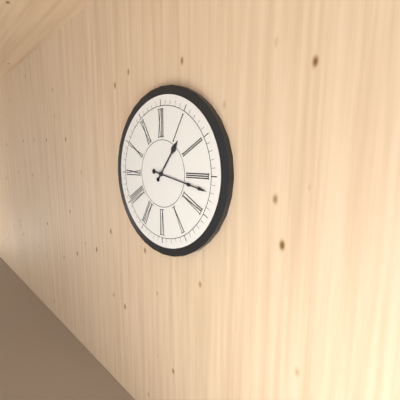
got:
1:17
